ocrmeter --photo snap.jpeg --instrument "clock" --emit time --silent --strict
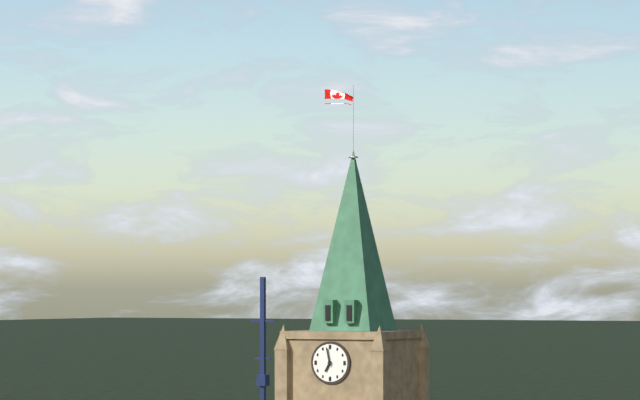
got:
6:58
